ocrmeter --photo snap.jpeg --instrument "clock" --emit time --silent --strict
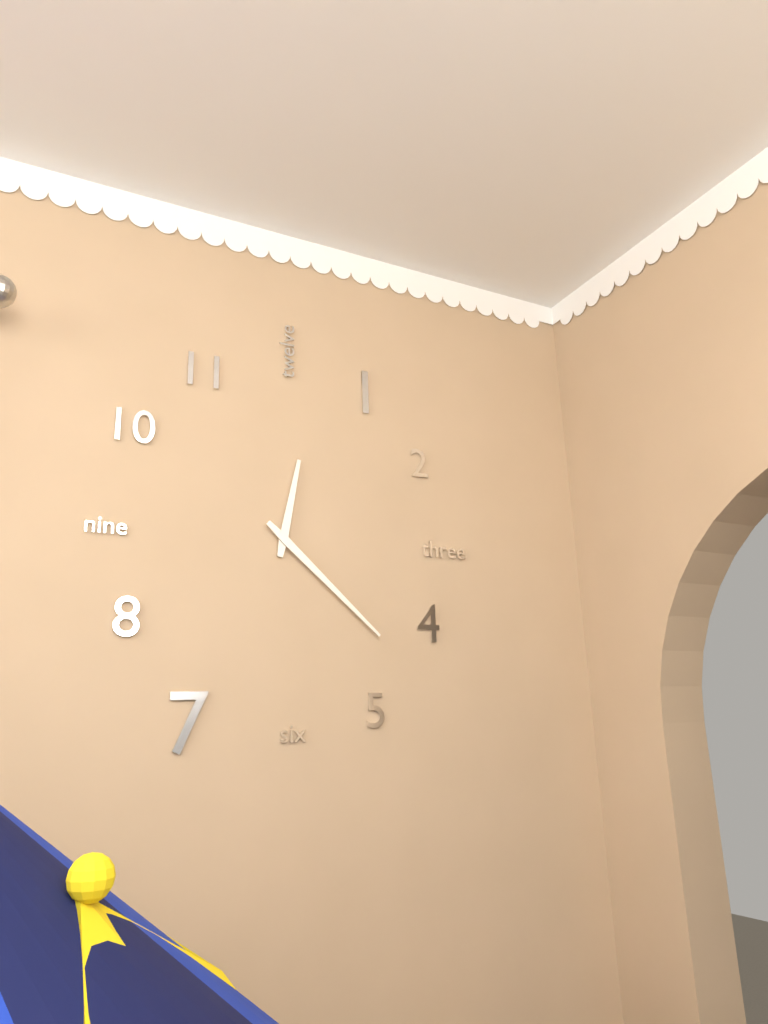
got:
12:22
